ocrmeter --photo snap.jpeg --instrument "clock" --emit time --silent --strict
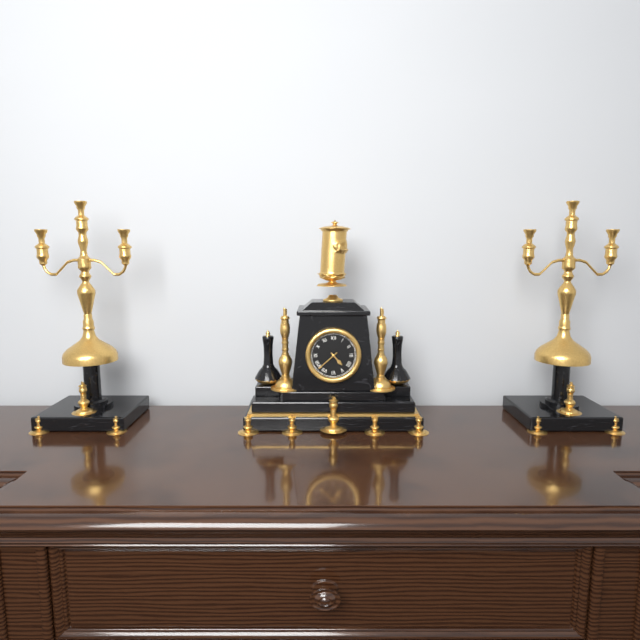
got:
4:38
